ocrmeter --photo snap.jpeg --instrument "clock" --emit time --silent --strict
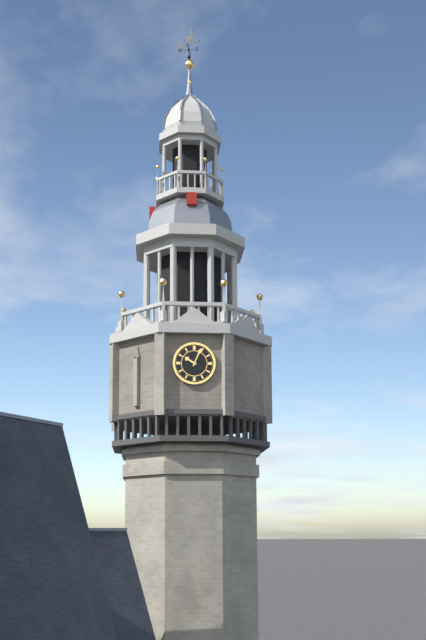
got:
10:04
